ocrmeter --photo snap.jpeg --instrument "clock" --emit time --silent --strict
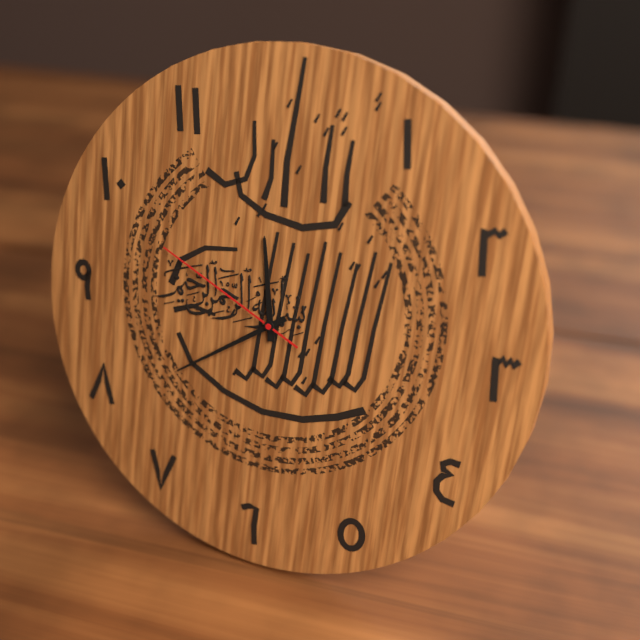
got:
11:39:49
